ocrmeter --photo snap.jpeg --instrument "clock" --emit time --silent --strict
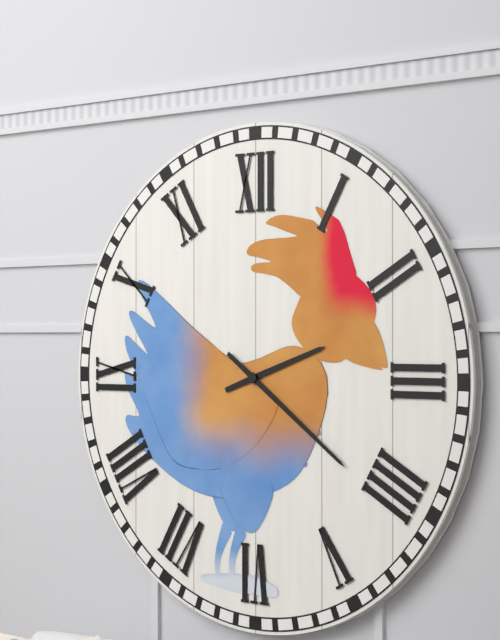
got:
2:21
